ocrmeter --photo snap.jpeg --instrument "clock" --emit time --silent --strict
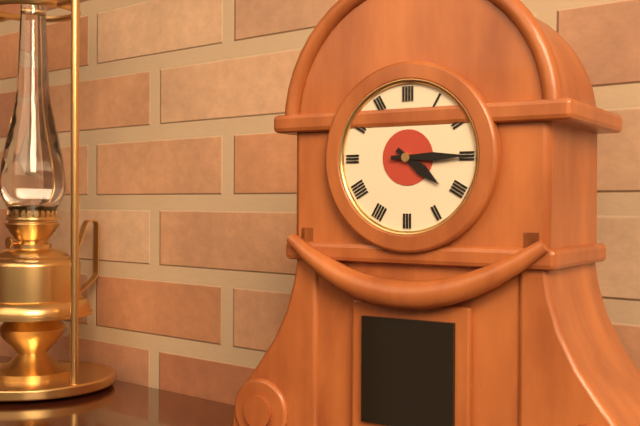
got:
4:15
